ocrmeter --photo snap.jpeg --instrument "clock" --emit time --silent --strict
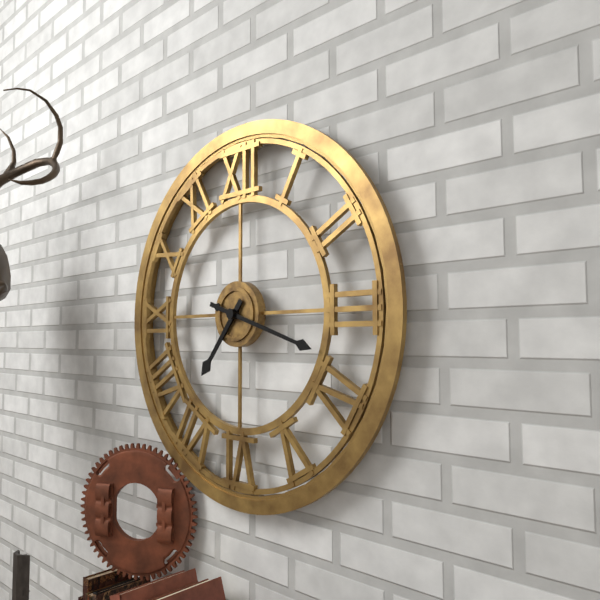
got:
7:18
